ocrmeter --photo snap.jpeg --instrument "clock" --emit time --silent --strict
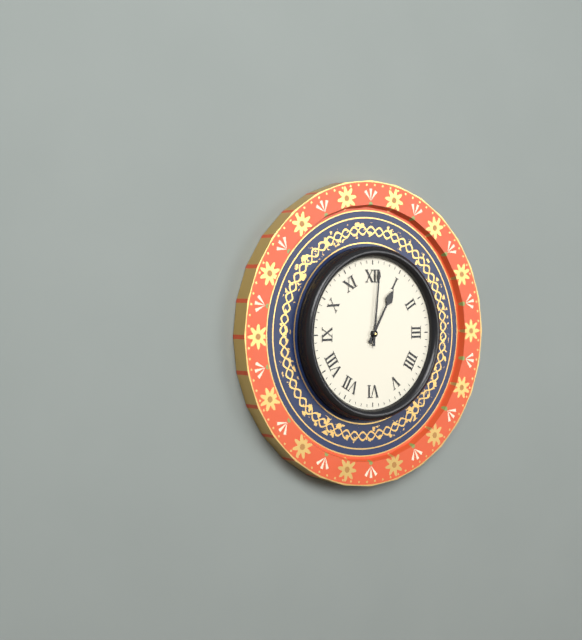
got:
1:01
